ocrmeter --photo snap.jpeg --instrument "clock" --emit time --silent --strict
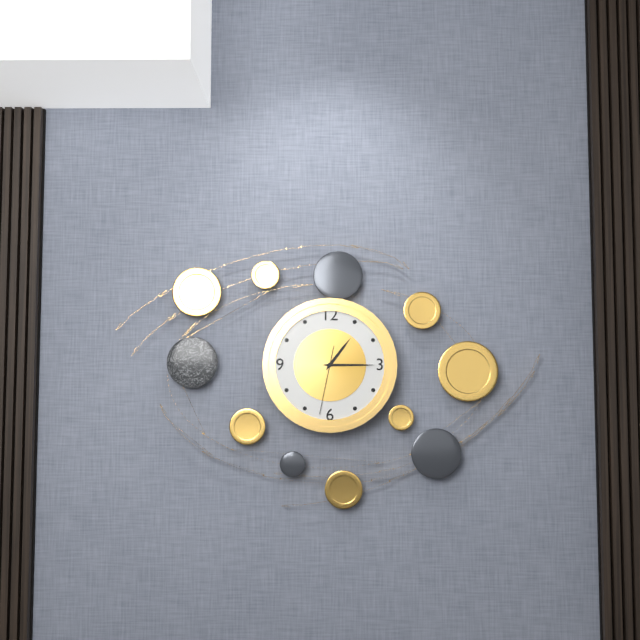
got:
1:15:32
